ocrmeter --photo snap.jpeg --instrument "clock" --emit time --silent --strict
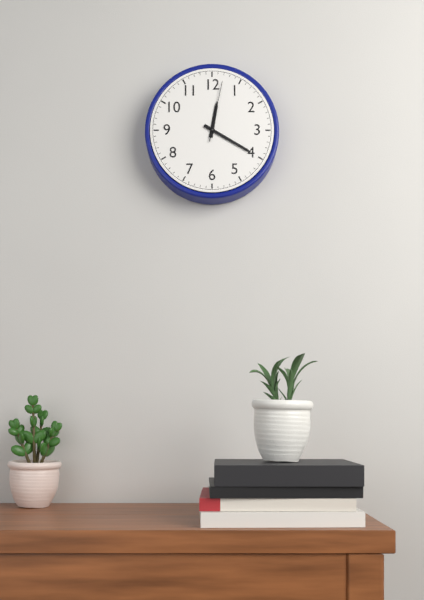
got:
12:20:02
